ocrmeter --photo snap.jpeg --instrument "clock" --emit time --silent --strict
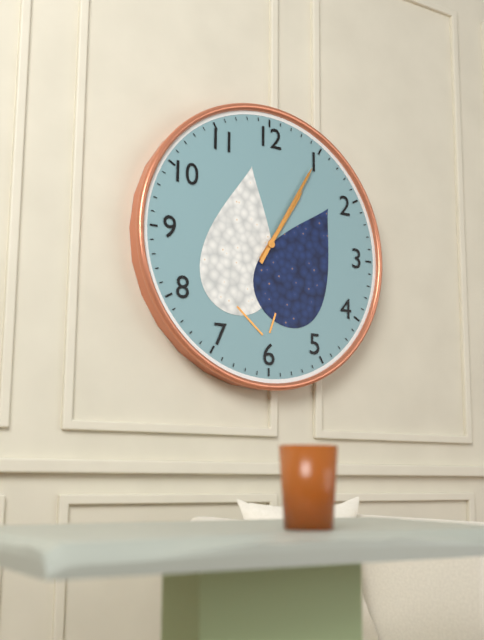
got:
1:05
